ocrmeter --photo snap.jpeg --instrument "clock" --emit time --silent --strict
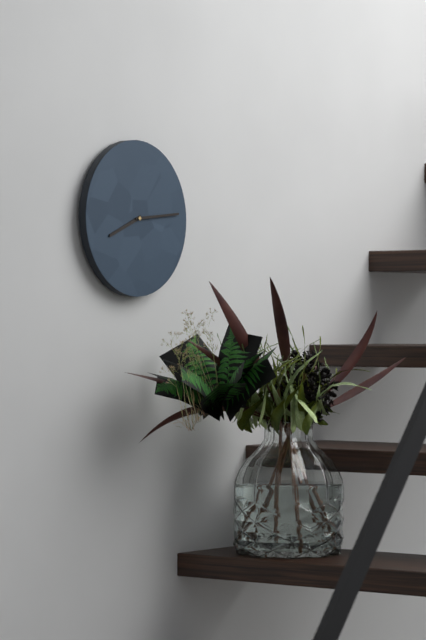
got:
8:14
